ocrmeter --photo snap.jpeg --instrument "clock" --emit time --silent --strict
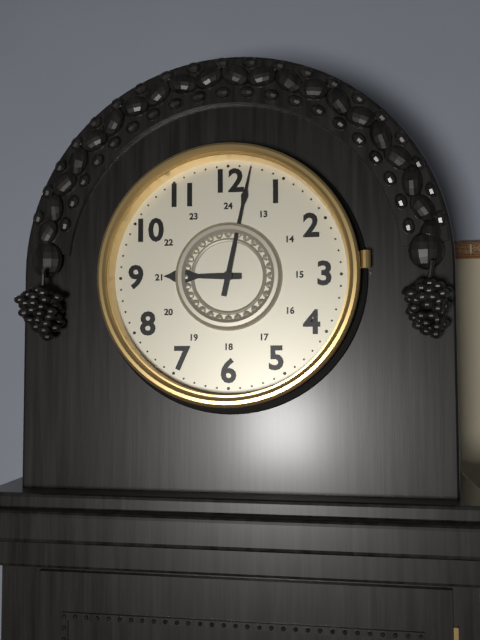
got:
9:02
